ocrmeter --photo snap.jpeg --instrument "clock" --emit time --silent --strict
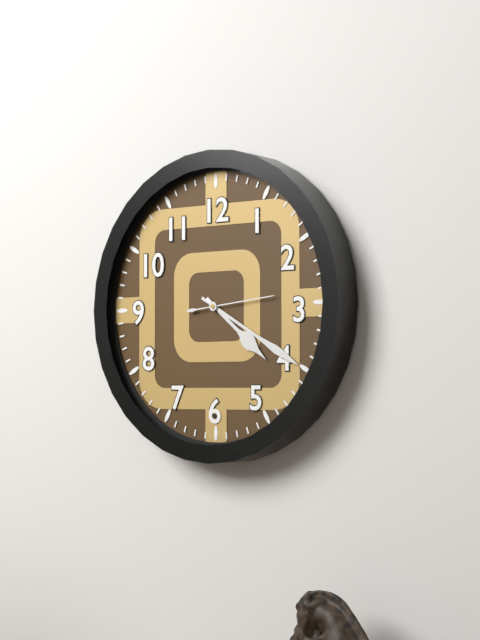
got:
4:20:14
